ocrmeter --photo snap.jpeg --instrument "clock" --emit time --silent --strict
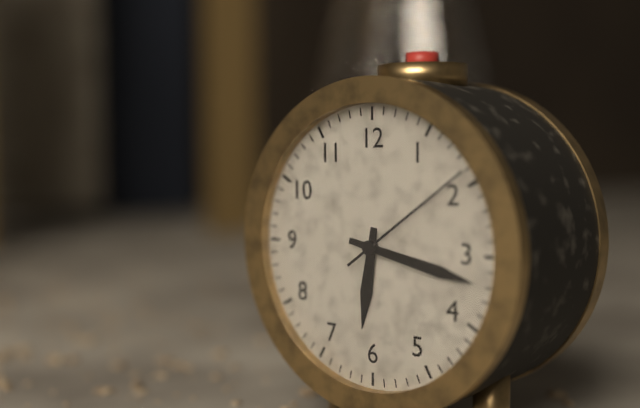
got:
6:17:09
